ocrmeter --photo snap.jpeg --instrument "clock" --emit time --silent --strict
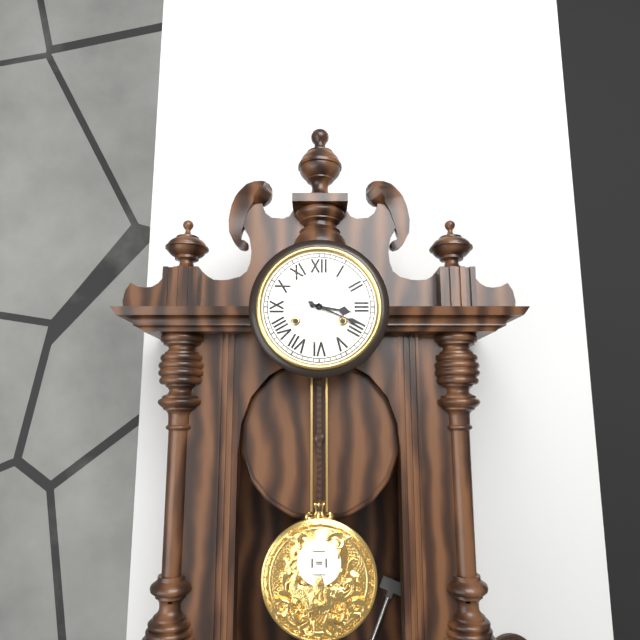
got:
3:19
